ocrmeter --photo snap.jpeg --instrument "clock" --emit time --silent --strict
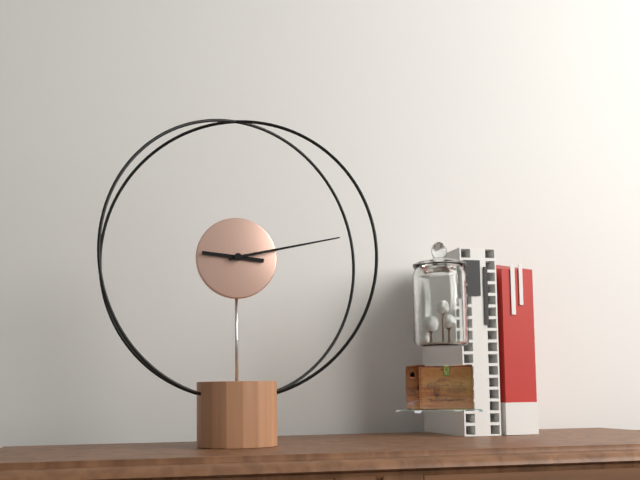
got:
9:13
